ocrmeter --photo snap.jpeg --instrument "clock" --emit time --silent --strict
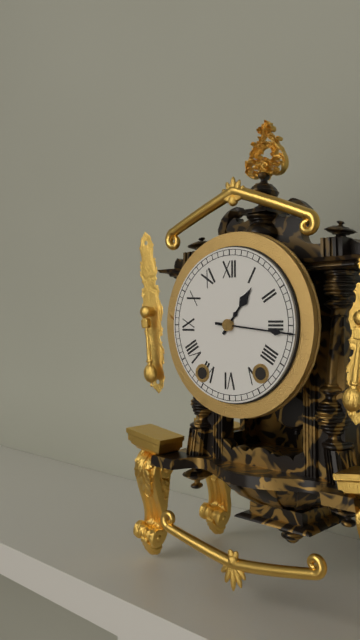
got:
1:16
